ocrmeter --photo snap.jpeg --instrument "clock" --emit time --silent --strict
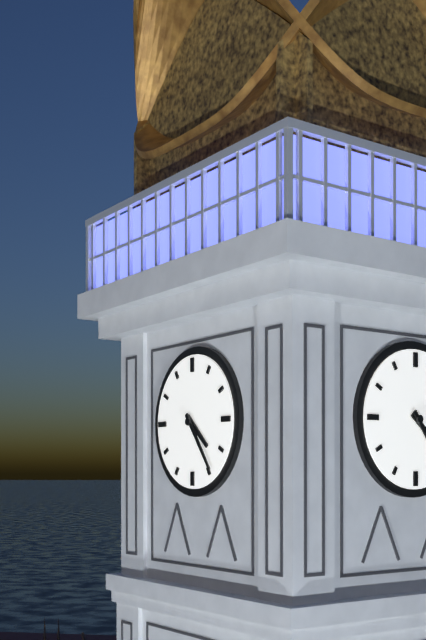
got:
4:24
